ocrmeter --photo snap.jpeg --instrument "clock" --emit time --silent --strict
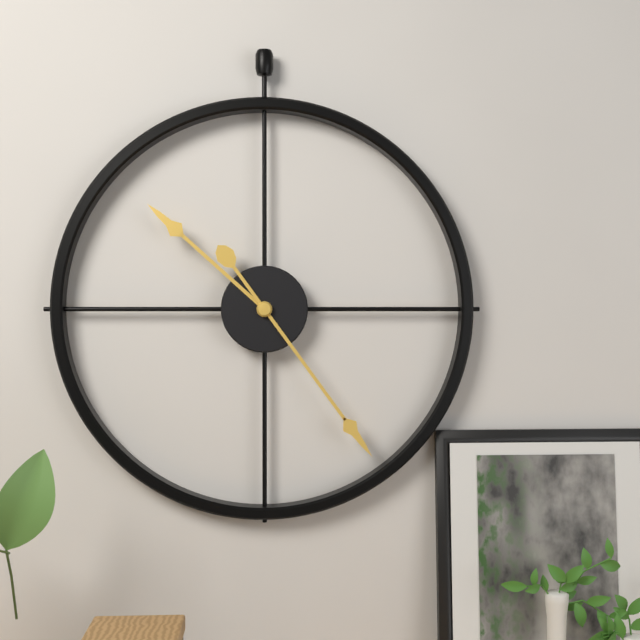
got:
10:24
